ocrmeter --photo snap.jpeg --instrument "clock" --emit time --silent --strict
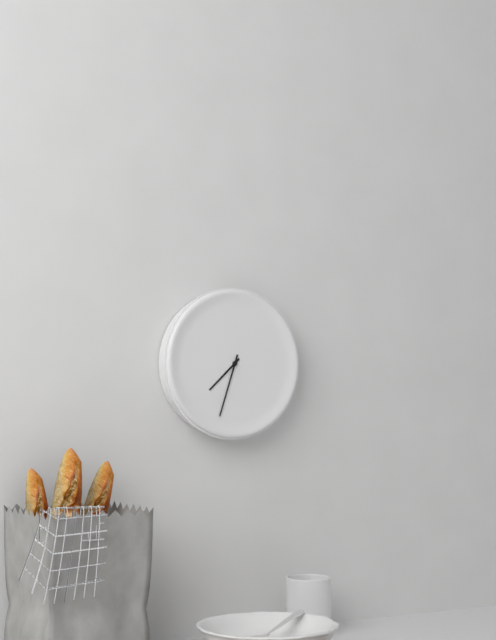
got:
7:33
